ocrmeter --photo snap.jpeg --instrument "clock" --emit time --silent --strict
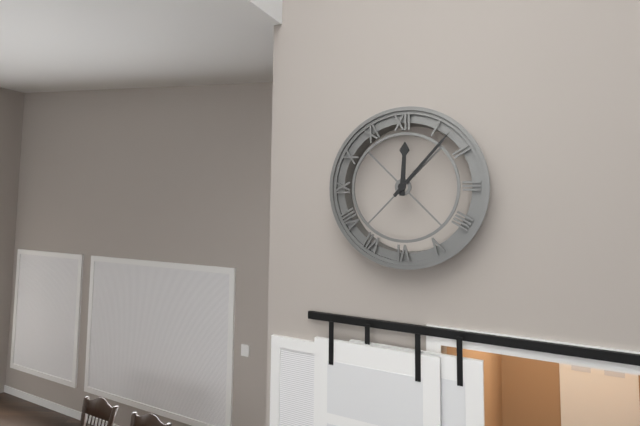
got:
12:07
